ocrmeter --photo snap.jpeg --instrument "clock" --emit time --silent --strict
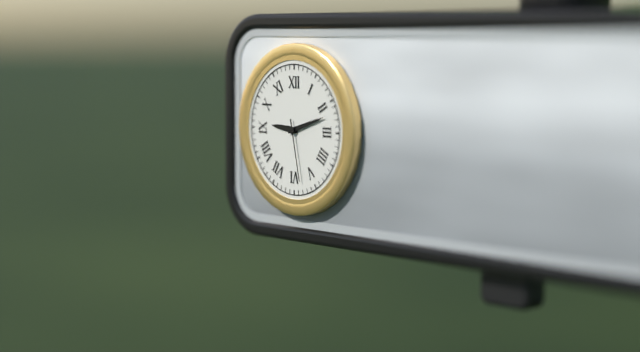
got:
9:12:28
